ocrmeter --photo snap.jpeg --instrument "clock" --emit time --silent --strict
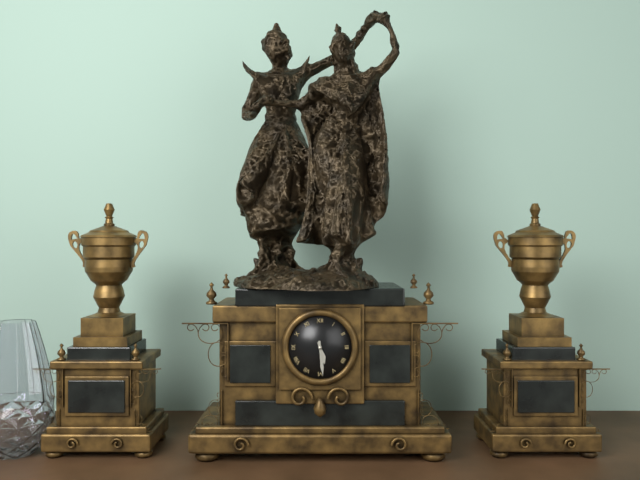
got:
5:29
